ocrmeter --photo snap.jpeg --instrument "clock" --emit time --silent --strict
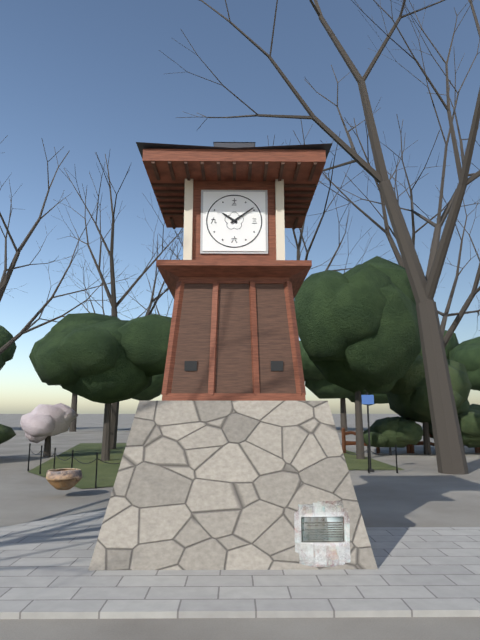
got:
10:09
